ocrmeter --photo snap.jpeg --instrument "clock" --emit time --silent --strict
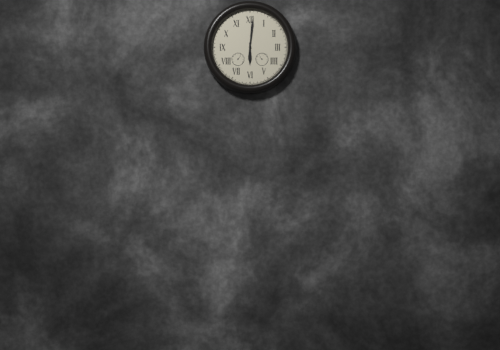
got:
6:01
